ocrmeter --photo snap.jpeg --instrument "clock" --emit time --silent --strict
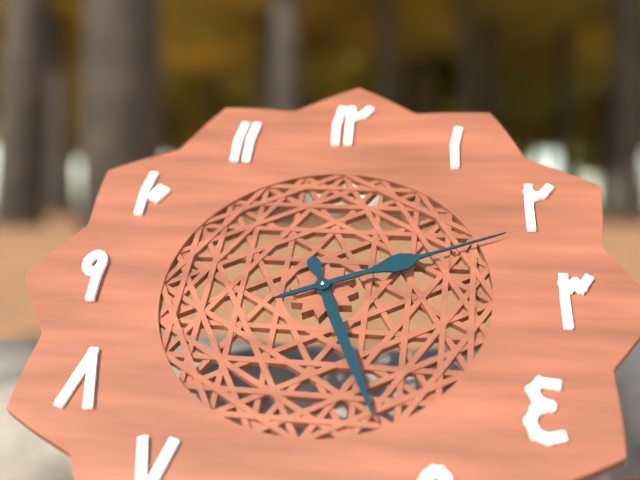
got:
5:11
